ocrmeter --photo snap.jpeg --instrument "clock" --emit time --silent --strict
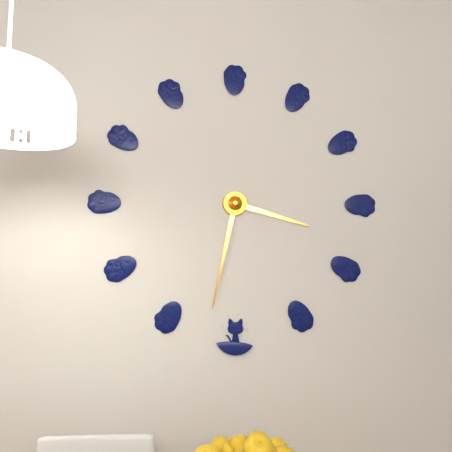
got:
3:32
